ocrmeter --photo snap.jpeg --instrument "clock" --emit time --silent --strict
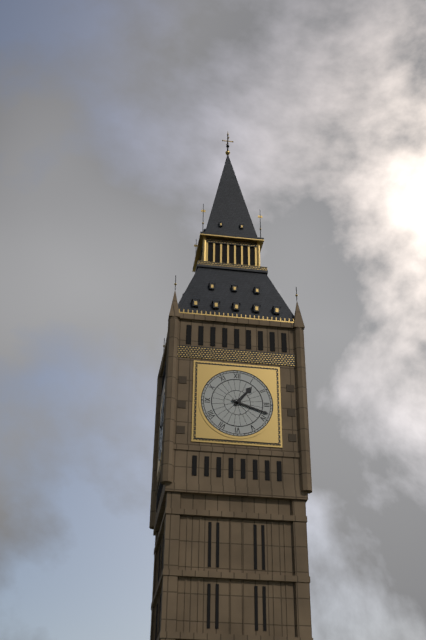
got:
1:18
